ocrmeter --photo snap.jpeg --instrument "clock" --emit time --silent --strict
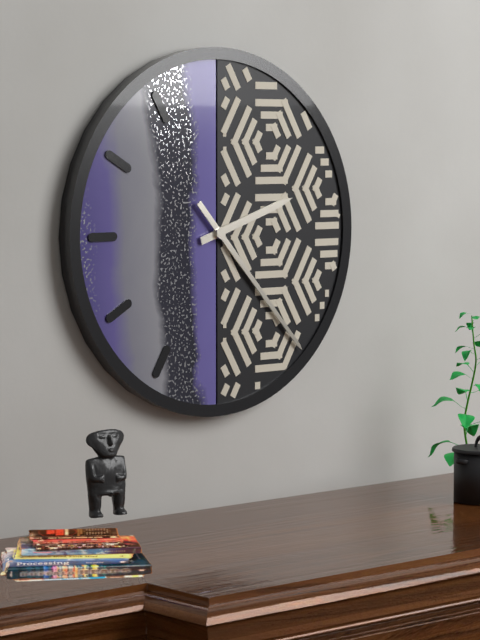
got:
2:23
